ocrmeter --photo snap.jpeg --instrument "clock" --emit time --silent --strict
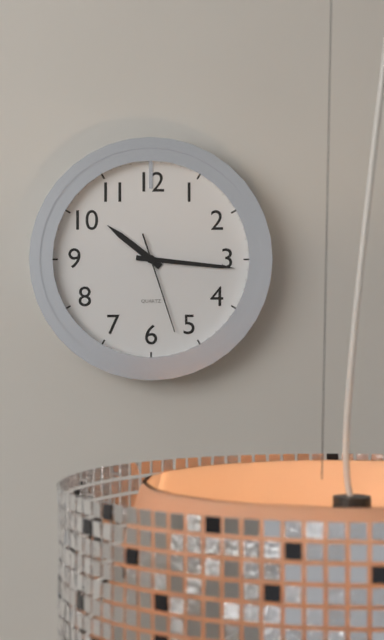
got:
10:16:27
